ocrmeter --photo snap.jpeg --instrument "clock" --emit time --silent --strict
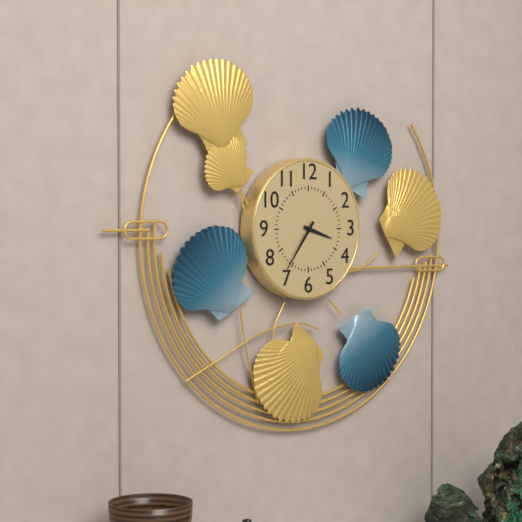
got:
3:36
